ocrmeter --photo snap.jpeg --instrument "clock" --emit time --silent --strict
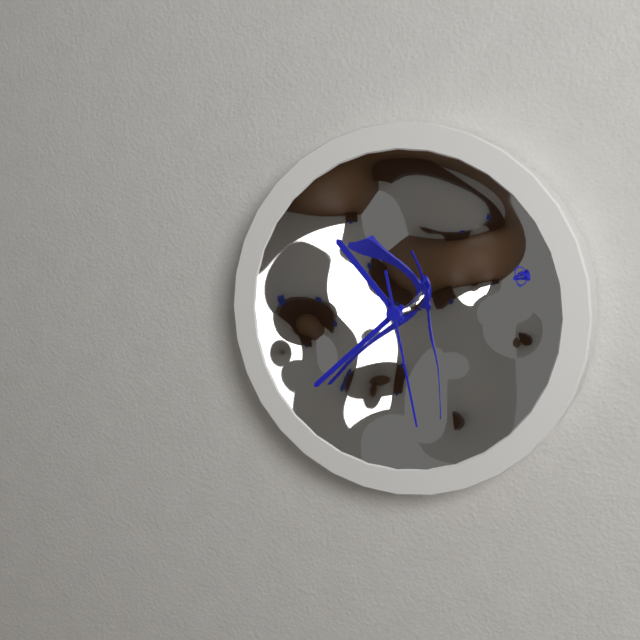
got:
10:38:28
